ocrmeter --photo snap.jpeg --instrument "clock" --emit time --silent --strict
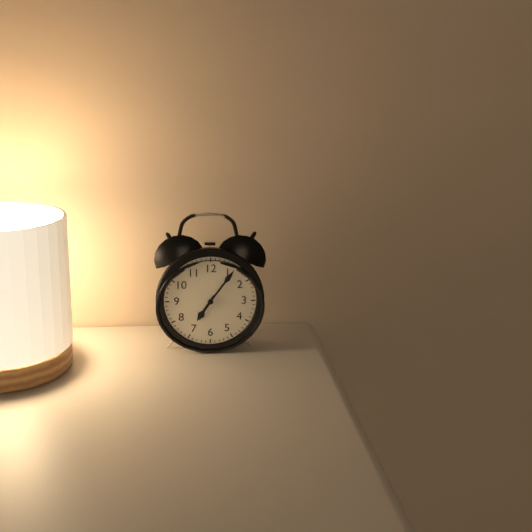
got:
7:06
